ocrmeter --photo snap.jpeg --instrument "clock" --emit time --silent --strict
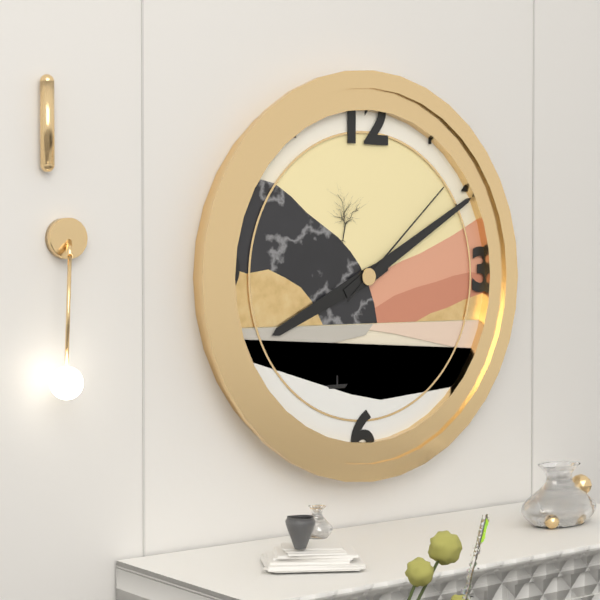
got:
8:10:08
